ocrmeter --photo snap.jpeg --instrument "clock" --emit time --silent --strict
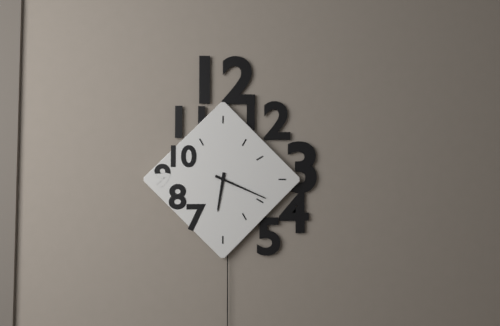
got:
6:19
